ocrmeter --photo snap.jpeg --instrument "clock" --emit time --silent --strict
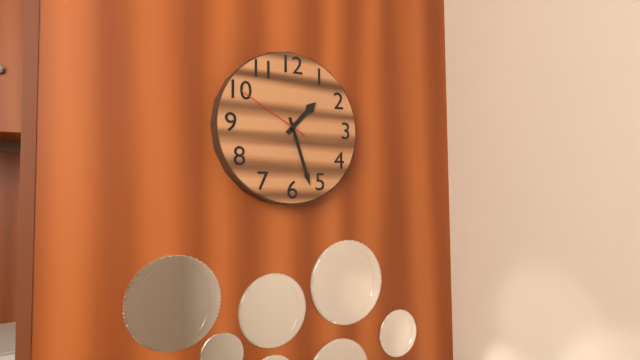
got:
1:27:50
